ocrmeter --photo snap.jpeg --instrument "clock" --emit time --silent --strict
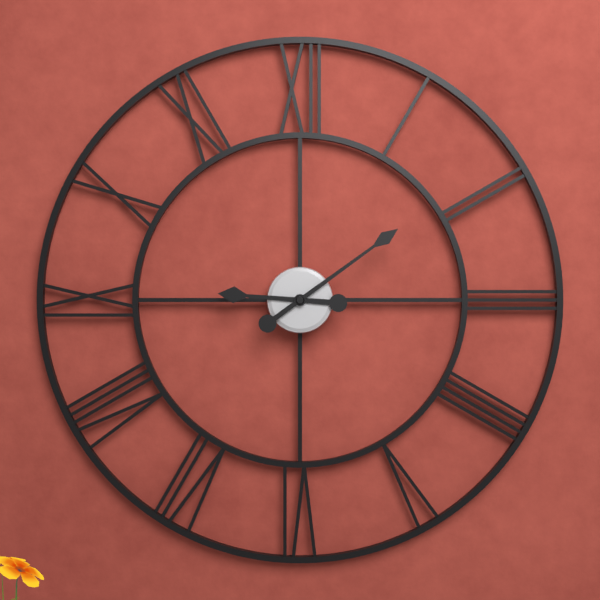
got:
9:09
